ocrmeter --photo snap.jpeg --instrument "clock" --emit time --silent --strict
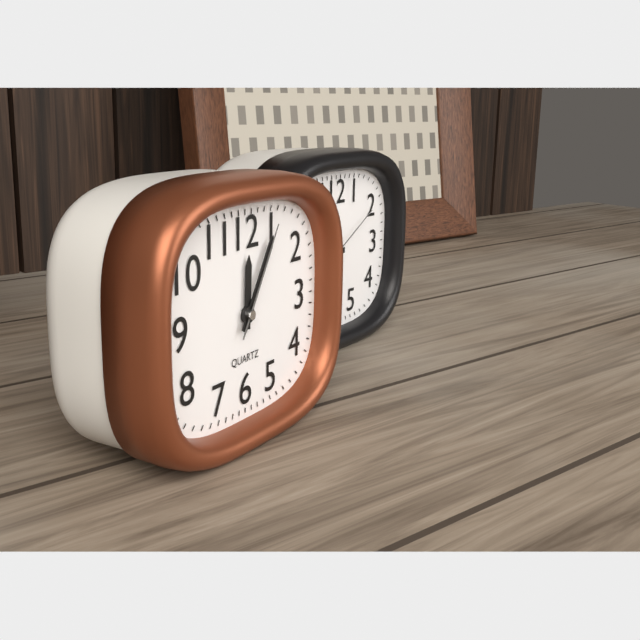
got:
12:05:05
